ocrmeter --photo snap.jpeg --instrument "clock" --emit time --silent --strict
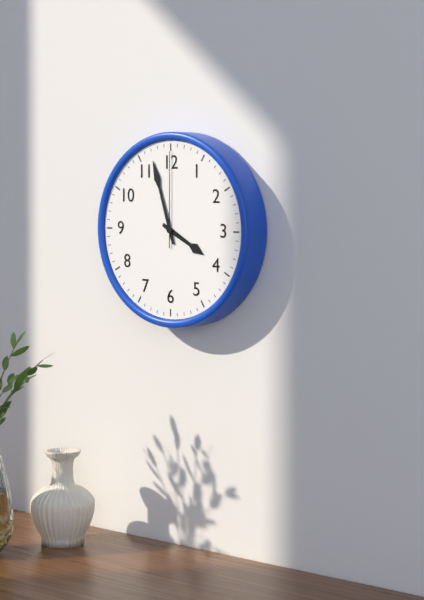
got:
3:57:00
